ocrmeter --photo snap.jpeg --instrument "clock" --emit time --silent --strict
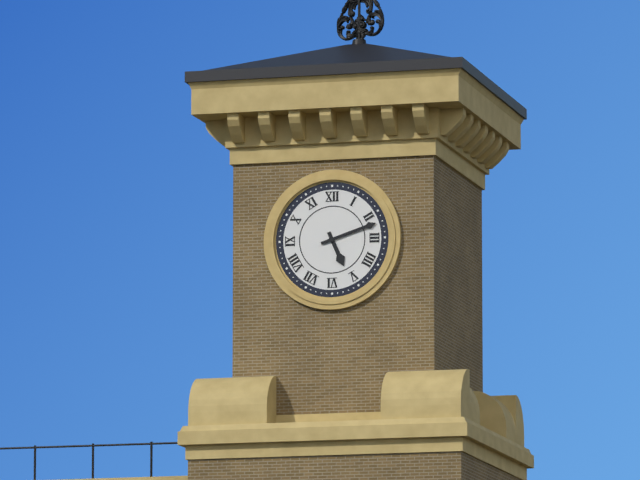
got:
5:12
